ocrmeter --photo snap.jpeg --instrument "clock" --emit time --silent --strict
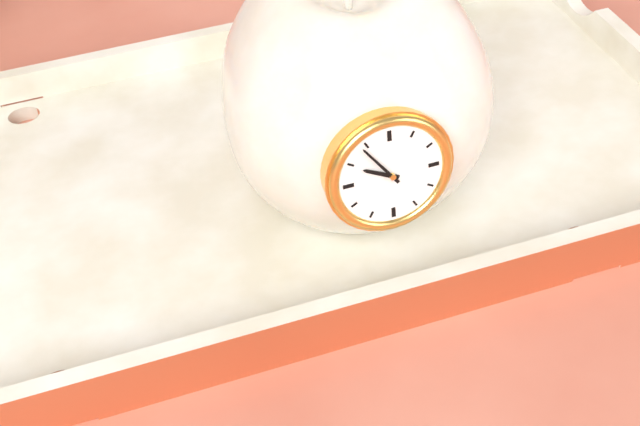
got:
9:54
